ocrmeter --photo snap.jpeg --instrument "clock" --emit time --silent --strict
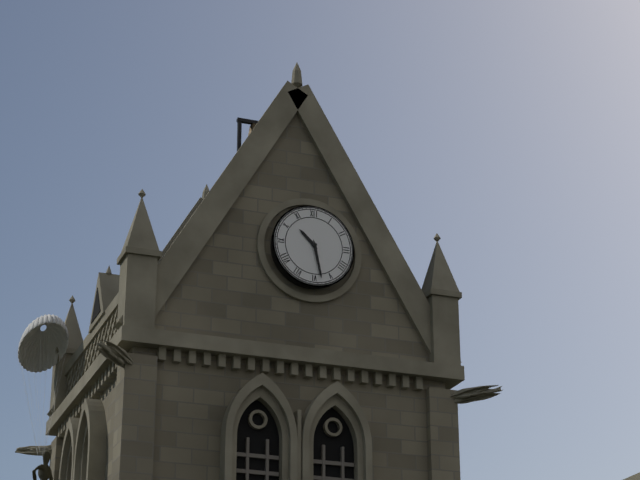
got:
10:28
